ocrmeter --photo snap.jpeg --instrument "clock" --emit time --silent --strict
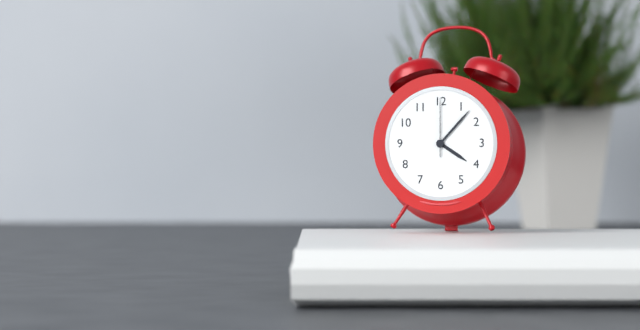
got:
4:07:00
